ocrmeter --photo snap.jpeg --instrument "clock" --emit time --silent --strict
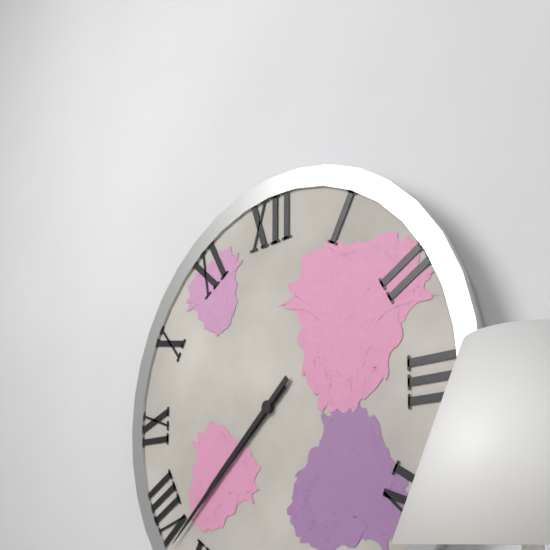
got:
7:38
